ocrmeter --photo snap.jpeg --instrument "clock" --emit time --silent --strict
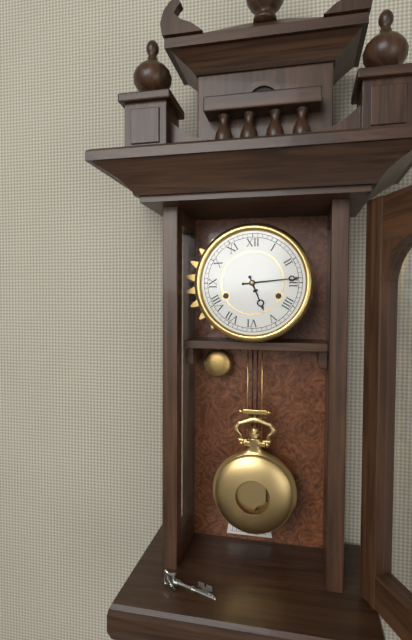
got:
5:14
